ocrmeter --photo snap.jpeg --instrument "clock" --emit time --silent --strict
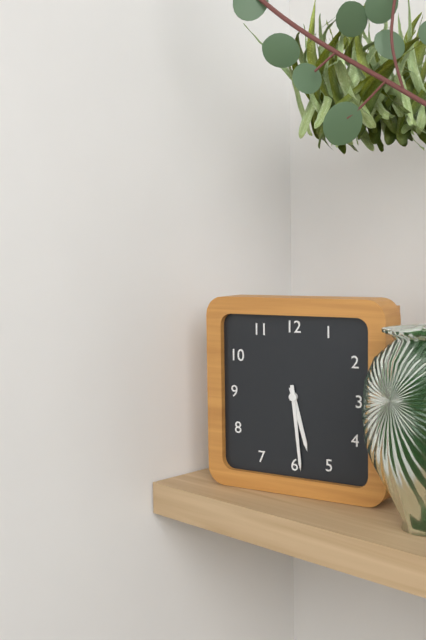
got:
5:29
